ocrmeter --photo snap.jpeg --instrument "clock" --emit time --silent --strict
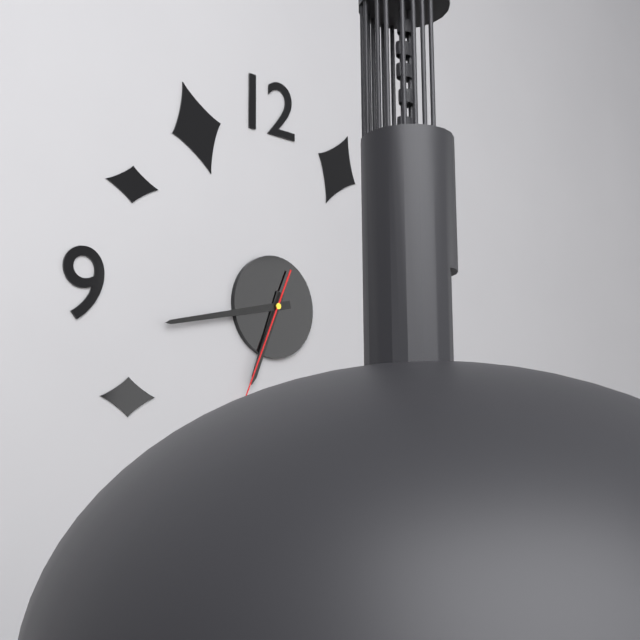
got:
6:43:34
